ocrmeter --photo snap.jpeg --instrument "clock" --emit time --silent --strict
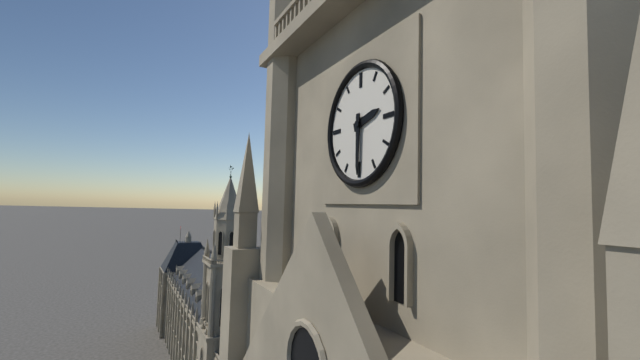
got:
2:30
